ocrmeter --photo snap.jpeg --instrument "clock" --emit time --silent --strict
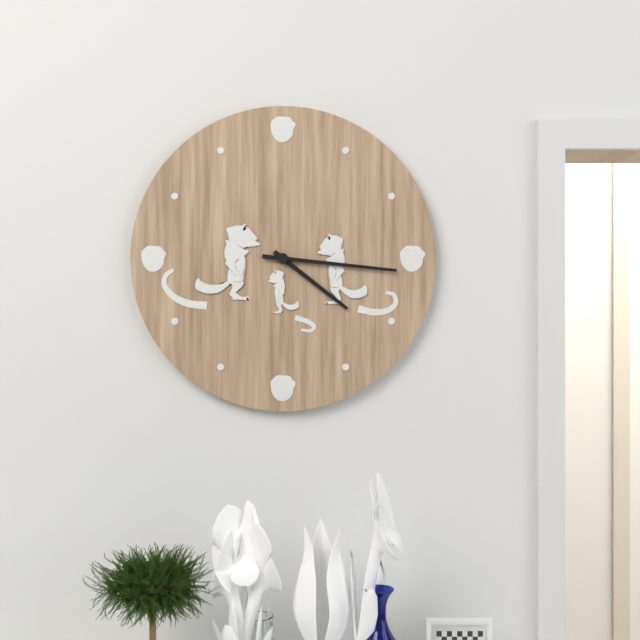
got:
4:16
